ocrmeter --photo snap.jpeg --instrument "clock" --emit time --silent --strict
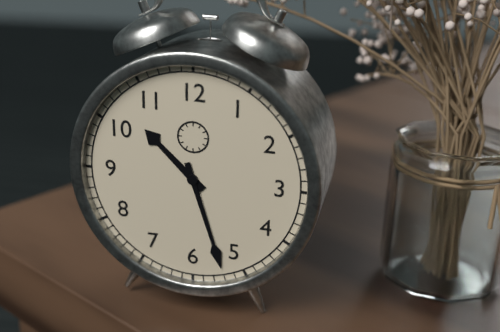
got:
10:27
